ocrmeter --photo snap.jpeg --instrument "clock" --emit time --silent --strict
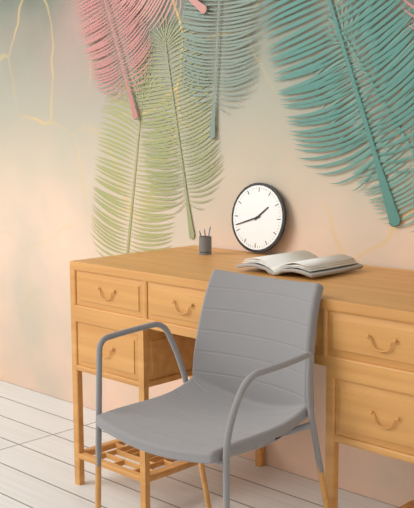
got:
1:42
